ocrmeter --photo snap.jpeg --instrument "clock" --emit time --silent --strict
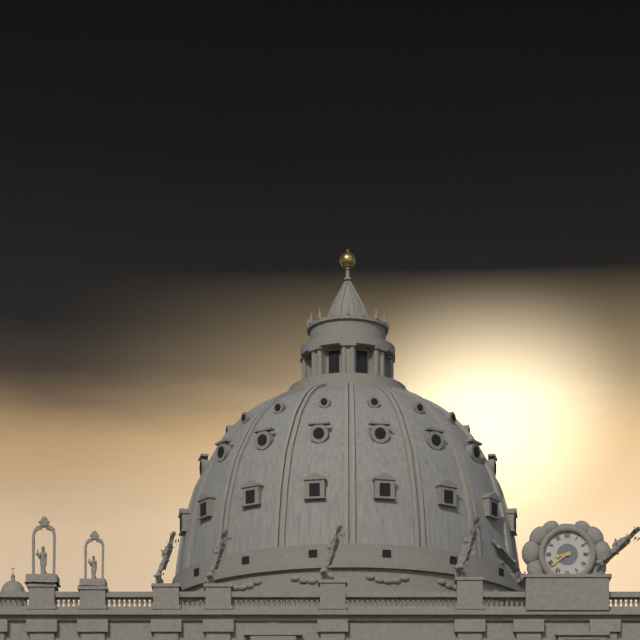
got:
8:39
